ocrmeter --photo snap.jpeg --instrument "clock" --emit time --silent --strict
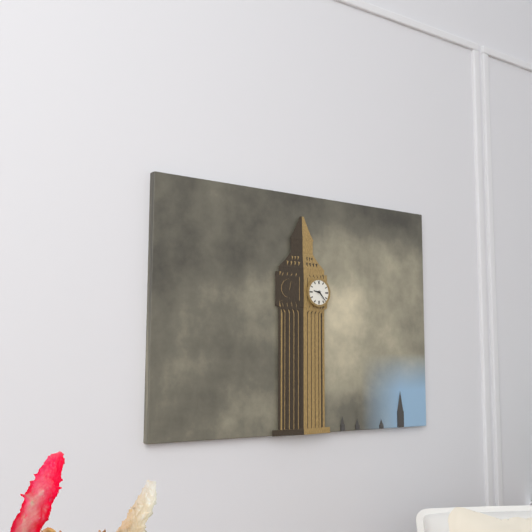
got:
9:23
